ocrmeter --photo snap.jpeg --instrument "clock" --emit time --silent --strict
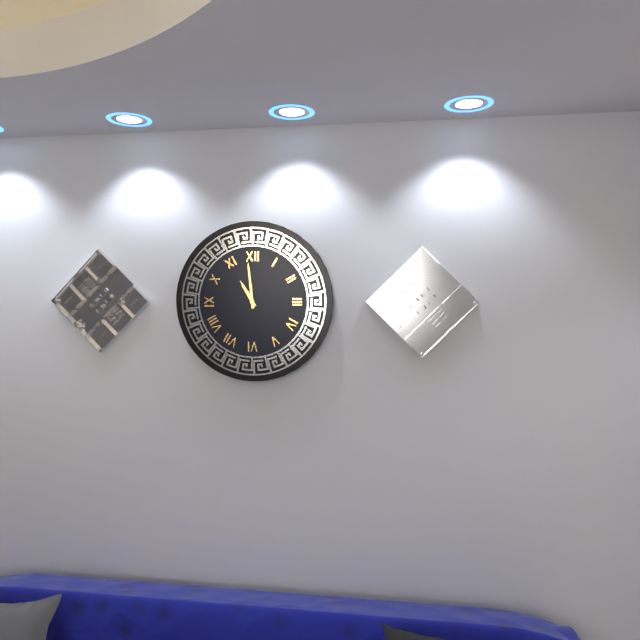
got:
10:59
